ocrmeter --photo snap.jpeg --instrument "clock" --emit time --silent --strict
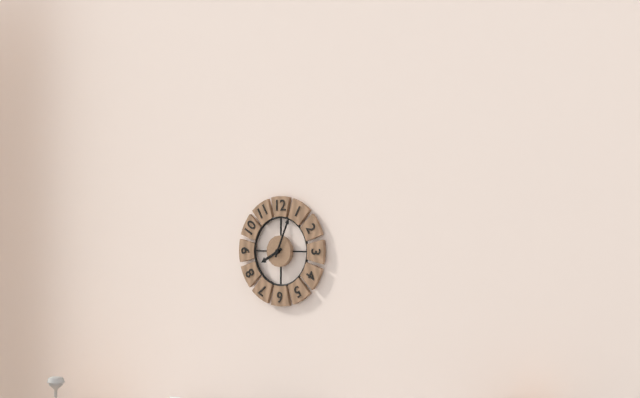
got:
8:04
